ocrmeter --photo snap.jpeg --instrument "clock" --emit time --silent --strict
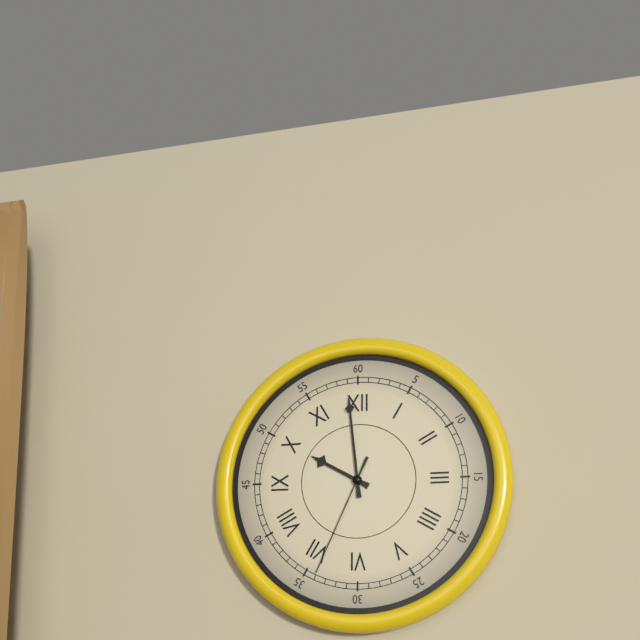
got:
9:59:34
